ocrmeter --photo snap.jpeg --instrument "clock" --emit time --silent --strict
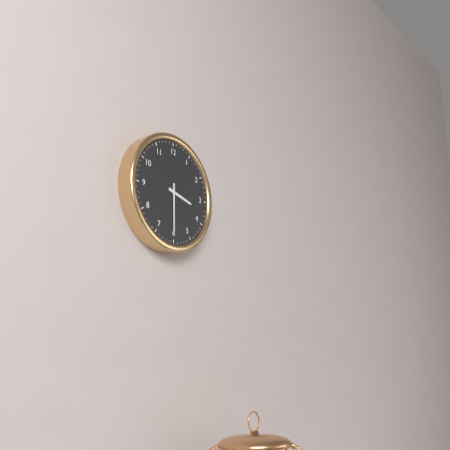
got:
3:30
